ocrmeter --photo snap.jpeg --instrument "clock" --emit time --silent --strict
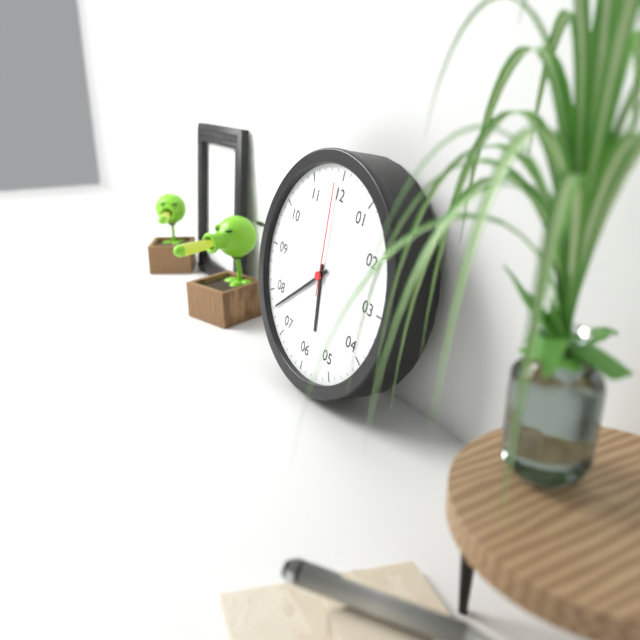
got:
5:38:59
